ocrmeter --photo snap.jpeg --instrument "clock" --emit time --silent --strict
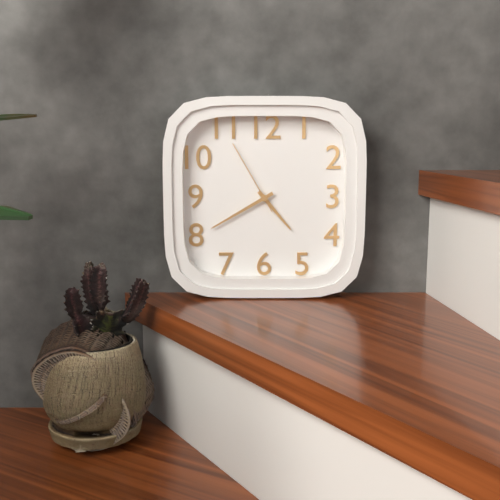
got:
4:40:55
